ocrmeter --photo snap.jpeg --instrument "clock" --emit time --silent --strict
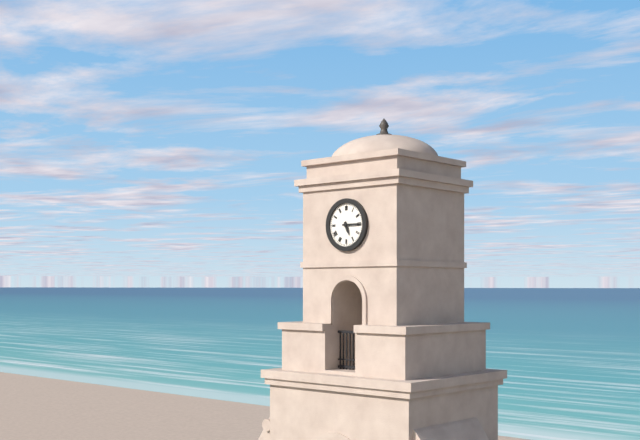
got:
5:15
